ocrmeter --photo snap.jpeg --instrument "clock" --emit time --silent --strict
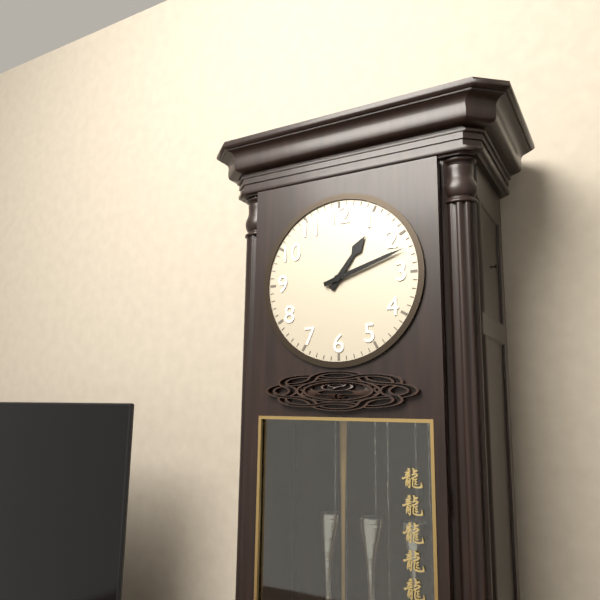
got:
1:12
